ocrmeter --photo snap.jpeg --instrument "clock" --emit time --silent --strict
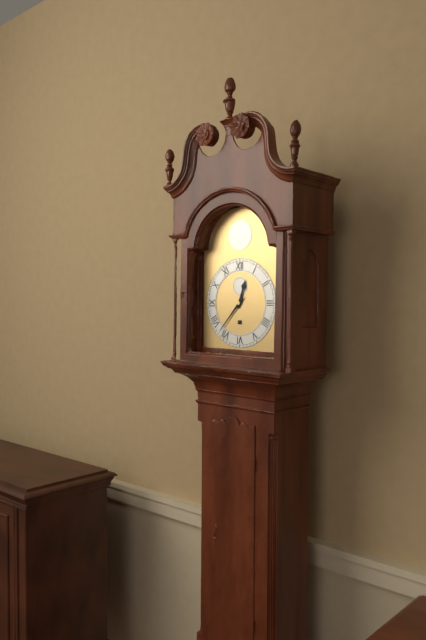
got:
12:37
